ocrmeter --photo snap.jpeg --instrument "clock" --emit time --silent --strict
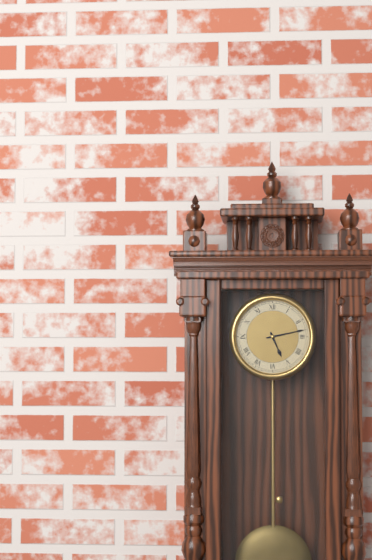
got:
5:13
